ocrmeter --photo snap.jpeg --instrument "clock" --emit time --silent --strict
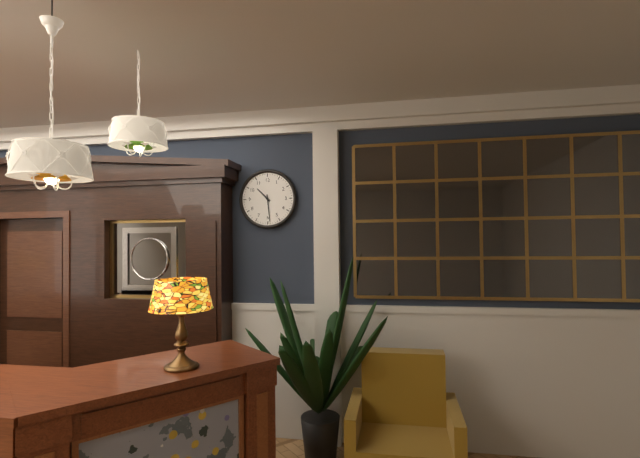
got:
10:29
